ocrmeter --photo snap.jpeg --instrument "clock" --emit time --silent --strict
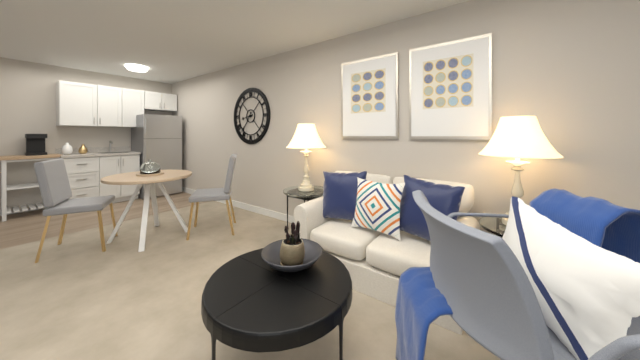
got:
8:36
